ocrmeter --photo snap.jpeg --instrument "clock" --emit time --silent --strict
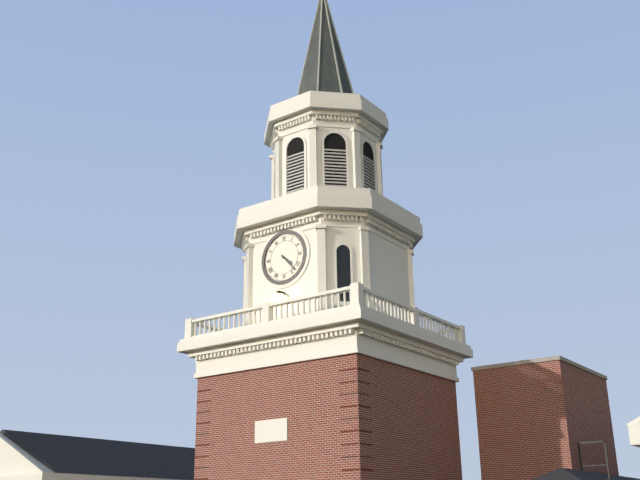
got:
4:23
